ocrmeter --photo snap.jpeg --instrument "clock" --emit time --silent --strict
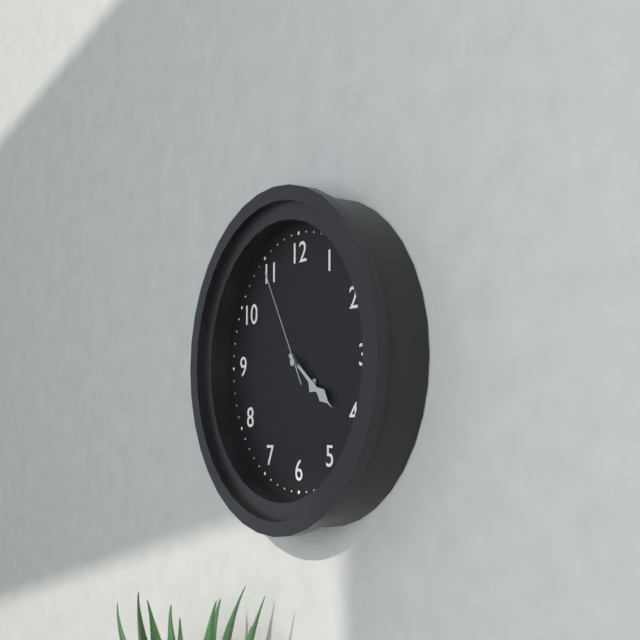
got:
4:21:55
